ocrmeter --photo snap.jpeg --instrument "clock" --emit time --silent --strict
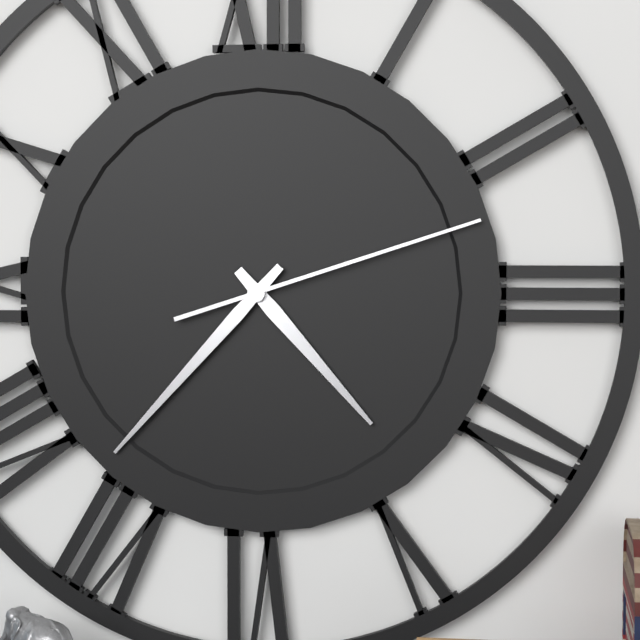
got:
4:37:12
